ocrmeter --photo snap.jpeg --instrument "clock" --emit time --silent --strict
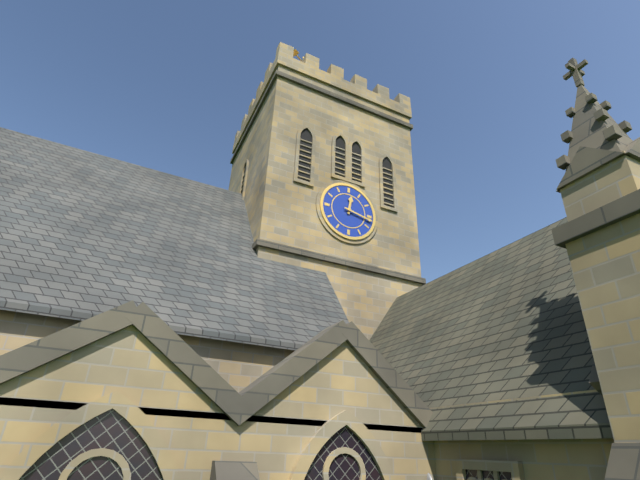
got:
12:17
